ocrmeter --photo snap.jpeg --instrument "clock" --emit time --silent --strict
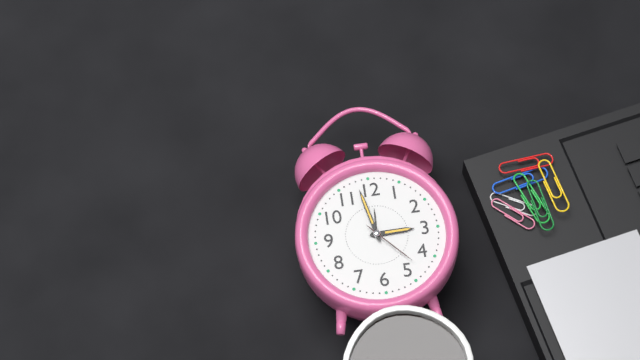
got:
2:58:23
